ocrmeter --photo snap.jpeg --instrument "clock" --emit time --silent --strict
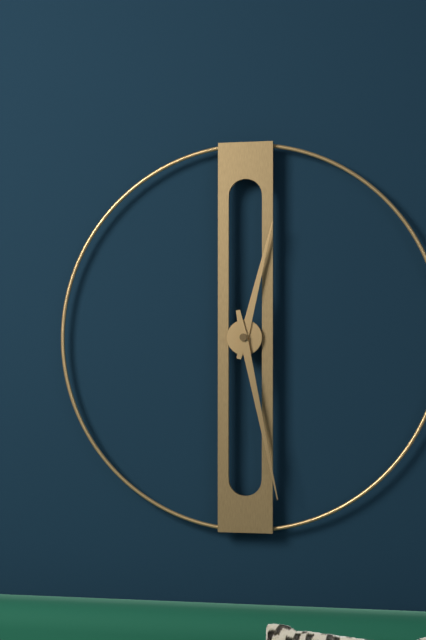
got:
12:28
